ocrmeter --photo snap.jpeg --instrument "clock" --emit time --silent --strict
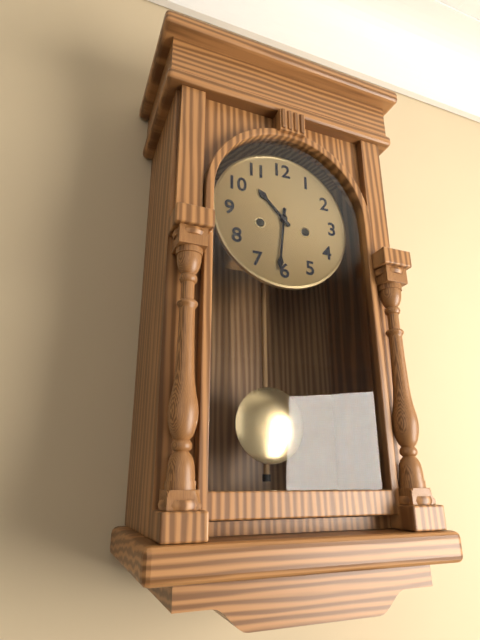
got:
10:31
